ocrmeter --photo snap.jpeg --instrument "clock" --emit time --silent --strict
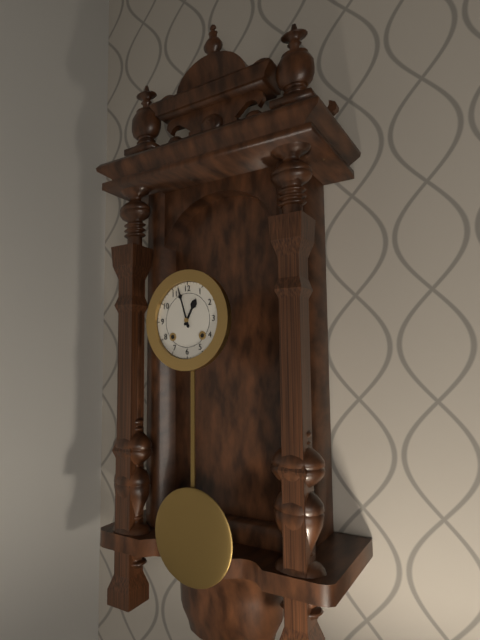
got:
12:57
